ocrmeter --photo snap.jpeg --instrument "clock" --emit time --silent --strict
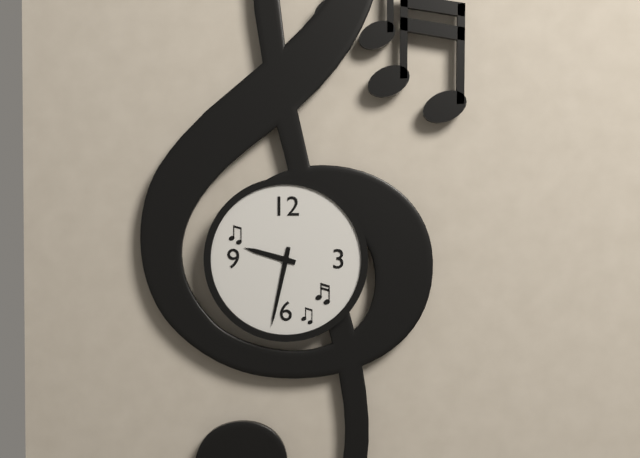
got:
9:32
